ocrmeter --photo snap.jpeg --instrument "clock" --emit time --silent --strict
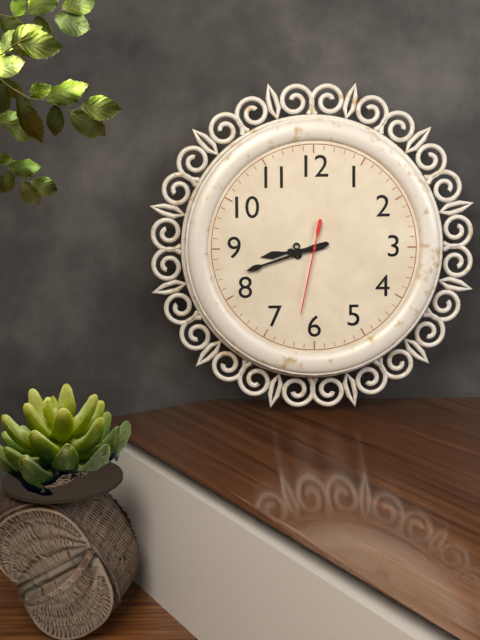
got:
8:42:32
